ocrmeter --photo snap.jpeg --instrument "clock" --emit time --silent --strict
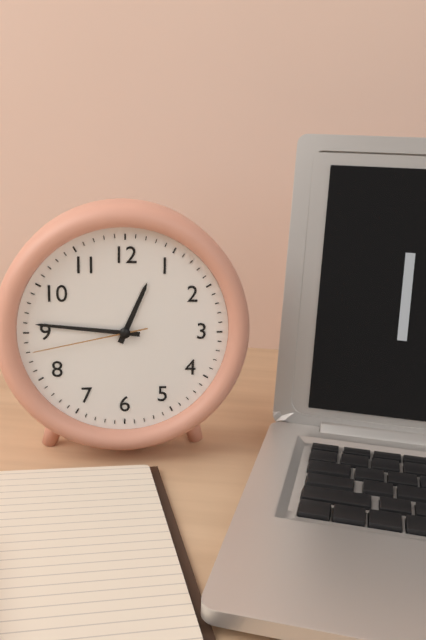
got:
12:46:43
